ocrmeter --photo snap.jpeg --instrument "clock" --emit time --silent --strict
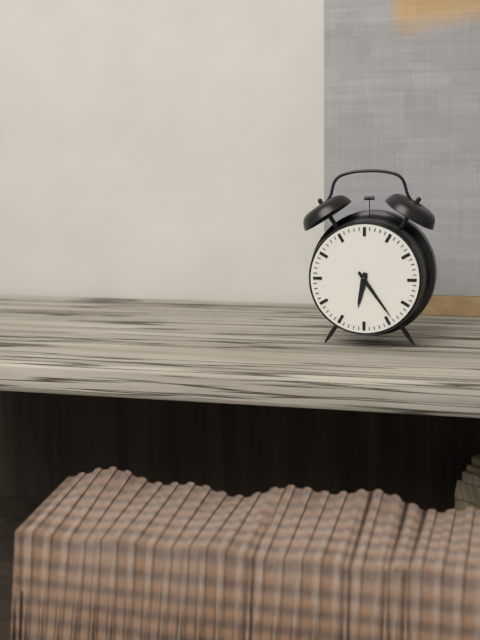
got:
6:24
